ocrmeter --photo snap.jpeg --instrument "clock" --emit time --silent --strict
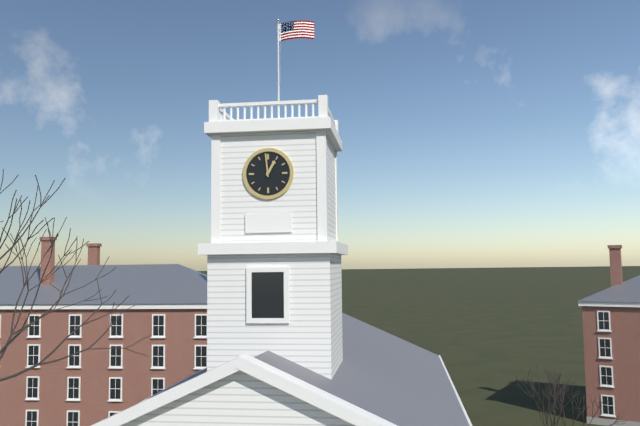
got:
12:59
